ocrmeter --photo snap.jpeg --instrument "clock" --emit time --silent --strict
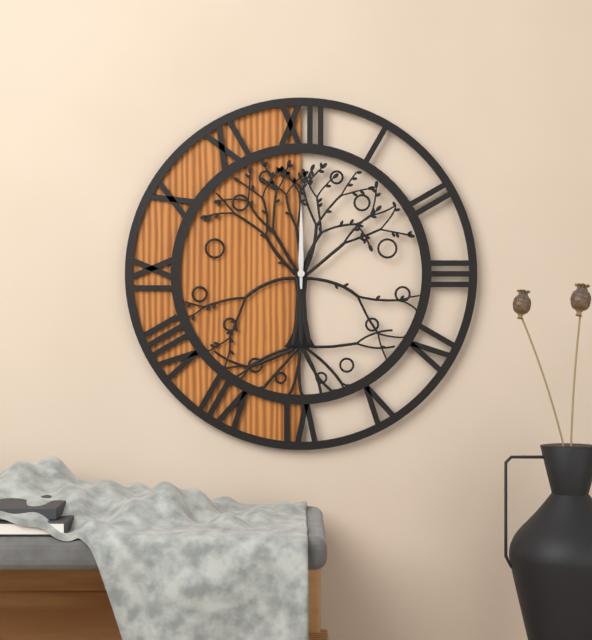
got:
12:00
